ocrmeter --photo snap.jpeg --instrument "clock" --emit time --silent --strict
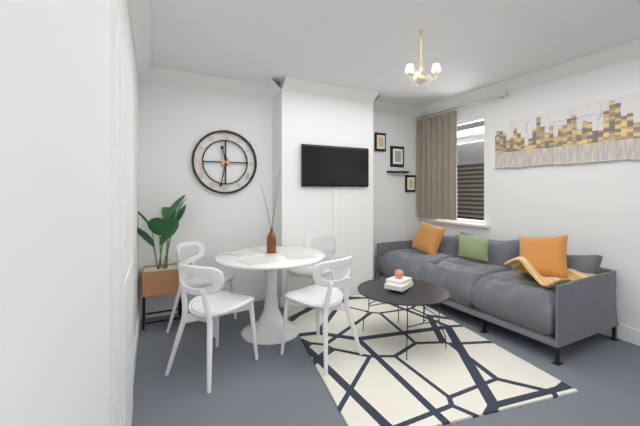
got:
11:32
